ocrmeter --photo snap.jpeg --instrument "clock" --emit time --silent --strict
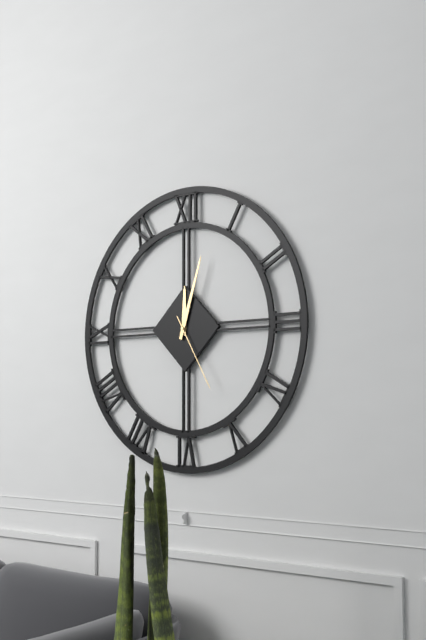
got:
12:03:25
